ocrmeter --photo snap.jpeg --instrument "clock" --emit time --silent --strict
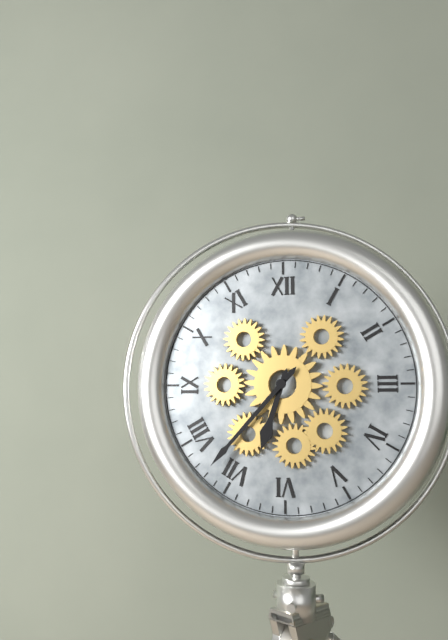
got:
6:37
